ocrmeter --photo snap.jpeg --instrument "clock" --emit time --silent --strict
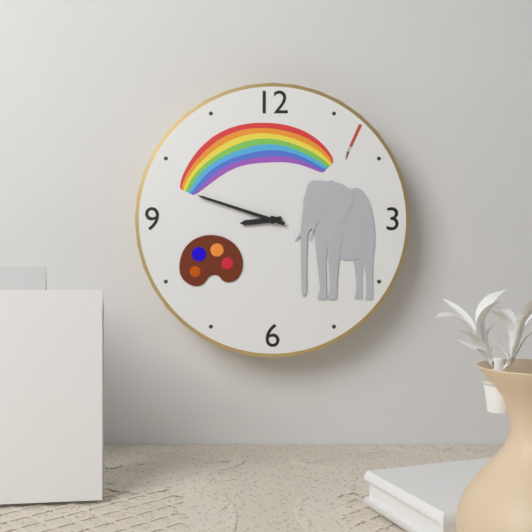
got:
8:48
